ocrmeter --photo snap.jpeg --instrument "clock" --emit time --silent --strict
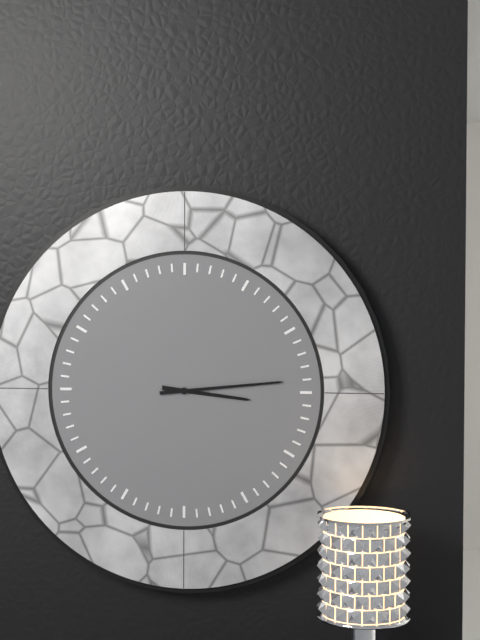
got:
3:14
